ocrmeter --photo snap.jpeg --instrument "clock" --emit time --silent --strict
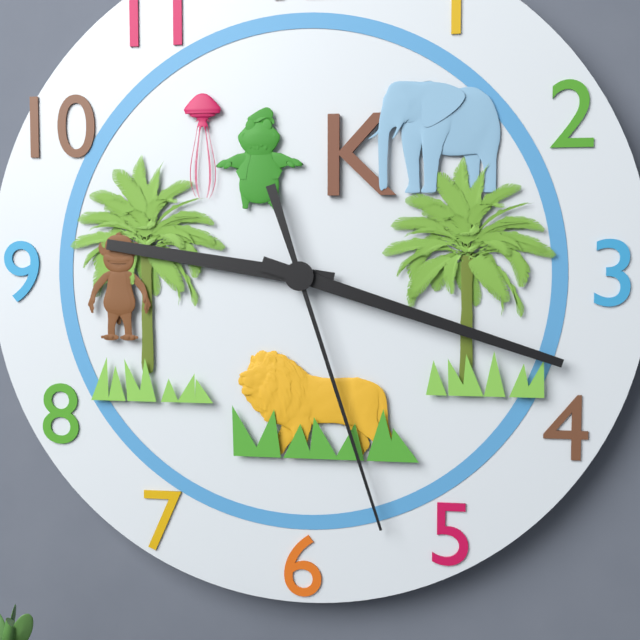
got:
9:18:27
